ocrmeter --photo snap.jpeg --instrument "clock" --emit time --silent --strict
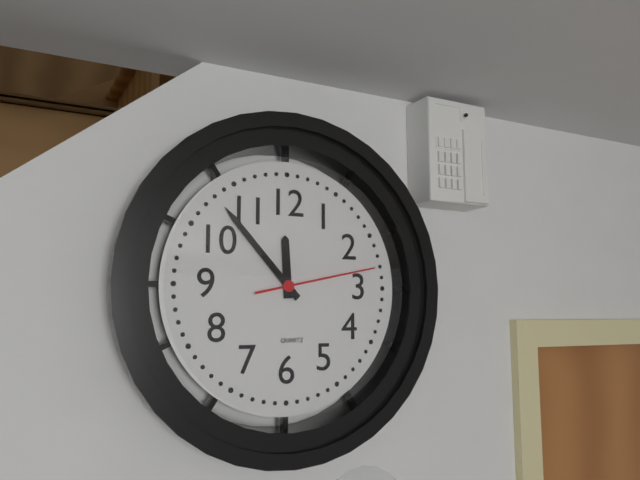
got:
11:53:13
